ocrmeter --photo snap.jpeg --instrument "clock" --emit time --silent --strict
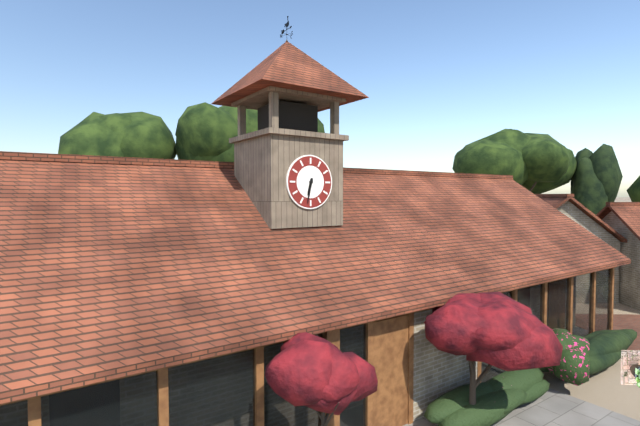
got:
6:32
